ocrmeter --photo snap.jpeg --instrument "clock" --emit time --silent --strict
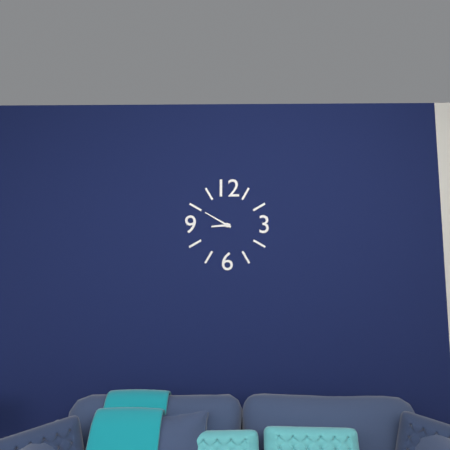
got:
8:50
